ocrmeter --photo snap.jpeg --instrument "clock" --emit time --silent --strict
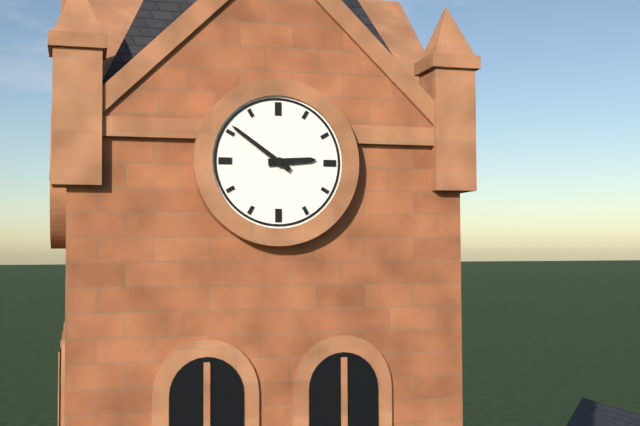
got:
2:51
